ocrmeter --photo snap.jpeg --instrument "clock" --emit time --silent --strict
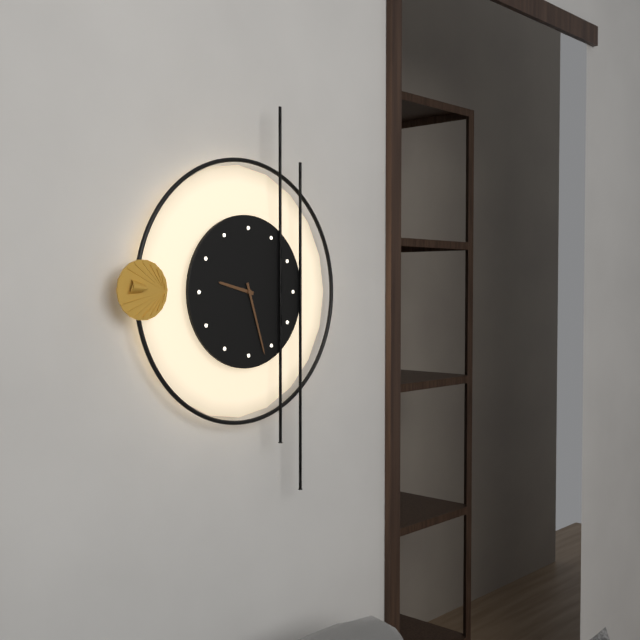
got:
9:27
